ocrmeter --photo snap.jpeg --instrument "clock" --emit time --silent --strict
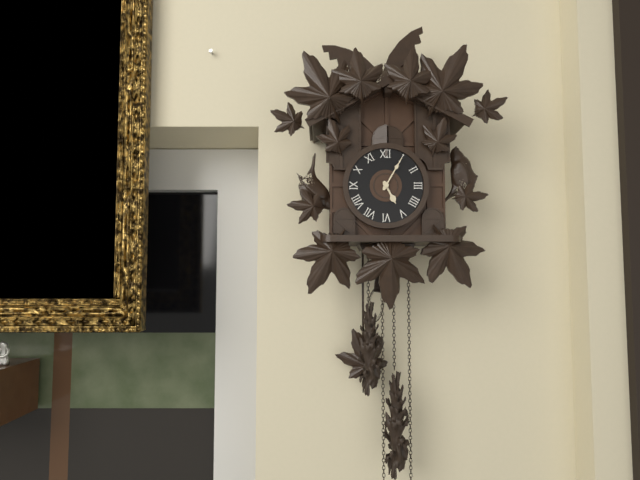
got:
5:05
